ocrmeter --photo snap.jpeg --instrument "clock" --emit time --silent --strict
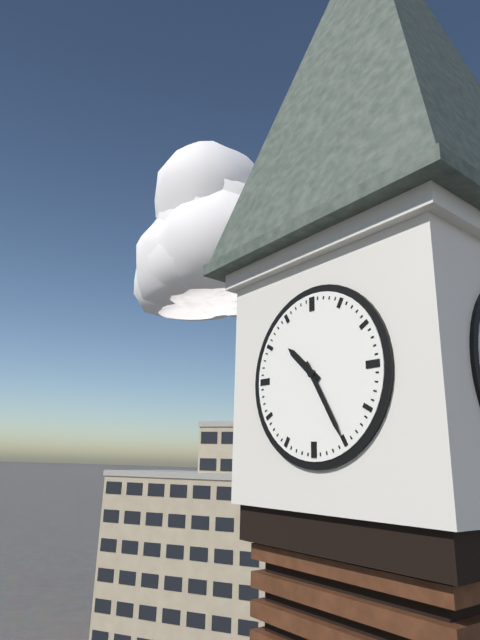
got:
10:25
